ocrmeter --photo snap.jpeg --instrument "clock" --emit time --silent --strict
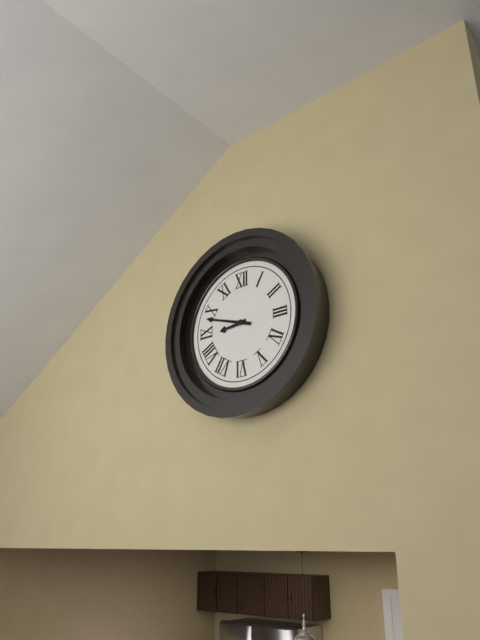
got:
8:48
